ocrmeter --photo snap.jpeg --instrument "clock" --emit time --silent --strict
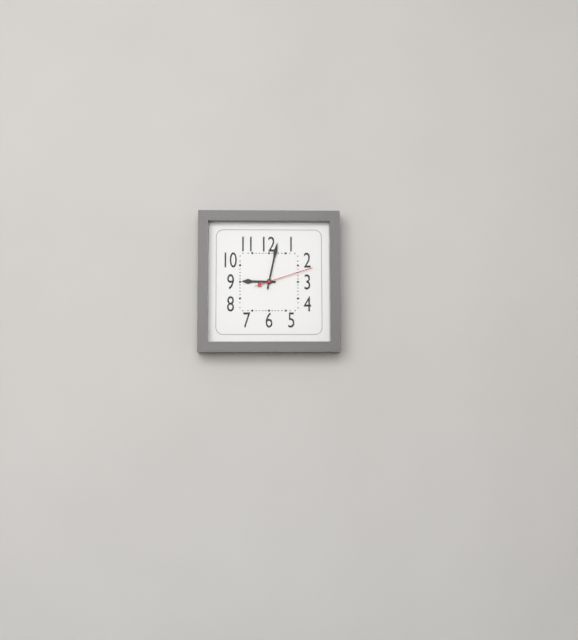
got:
9:02:12
